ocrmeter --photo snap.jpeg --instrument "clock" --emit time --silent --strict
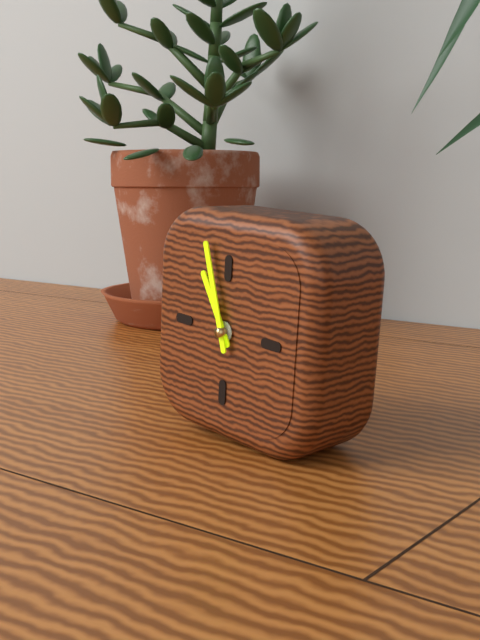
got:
10:57
